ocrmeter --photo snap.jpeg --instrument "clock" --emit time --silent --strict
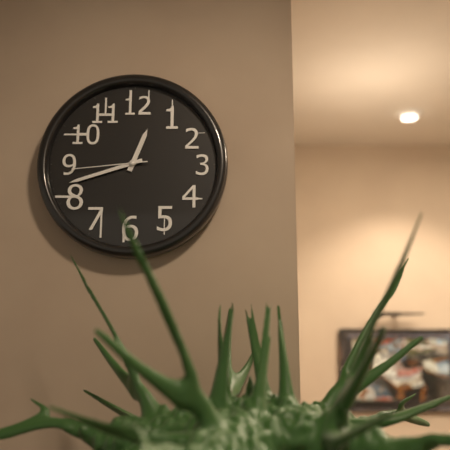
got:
12:42:44
